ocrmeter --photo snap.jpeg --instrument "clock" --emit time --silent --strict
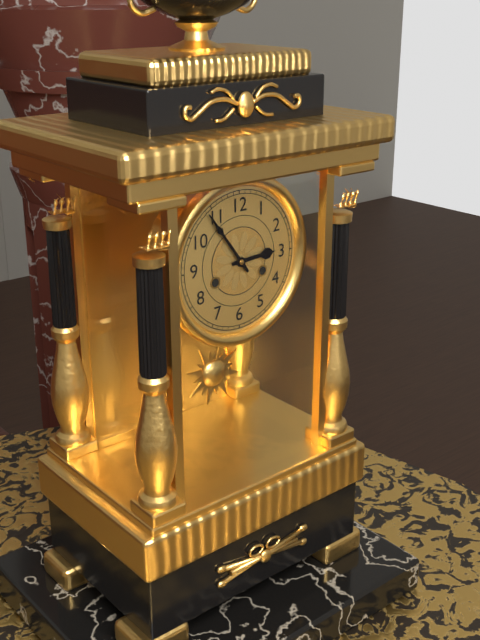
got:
2:54
